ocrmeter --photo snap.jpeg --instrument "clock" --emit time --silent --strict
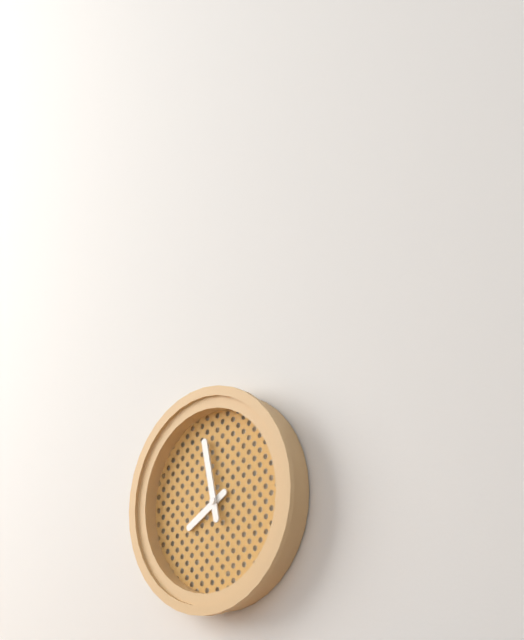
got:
7:58
